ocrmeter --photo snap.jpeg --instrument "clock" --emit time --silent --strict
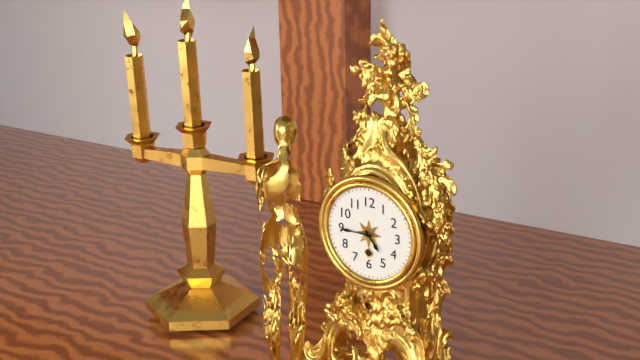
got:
4:45
